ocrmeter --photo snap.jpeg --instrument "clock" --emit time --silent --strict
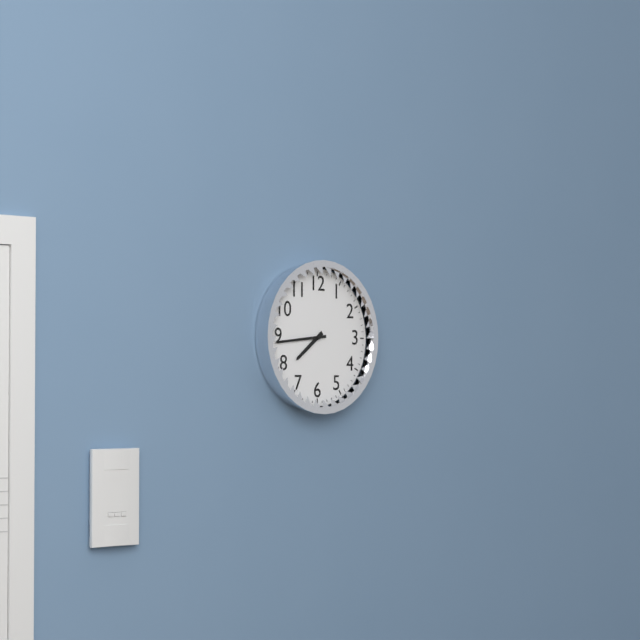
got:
7:44
